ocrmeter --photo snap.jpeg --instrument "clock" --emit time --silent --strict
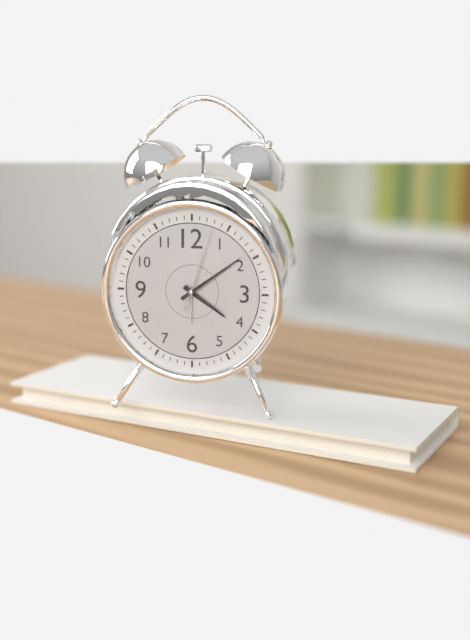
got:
4:09:03
